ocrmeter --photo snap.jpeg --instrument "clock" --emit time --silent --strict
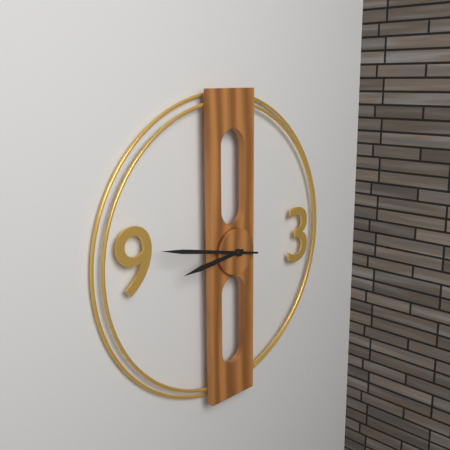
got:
8:47
